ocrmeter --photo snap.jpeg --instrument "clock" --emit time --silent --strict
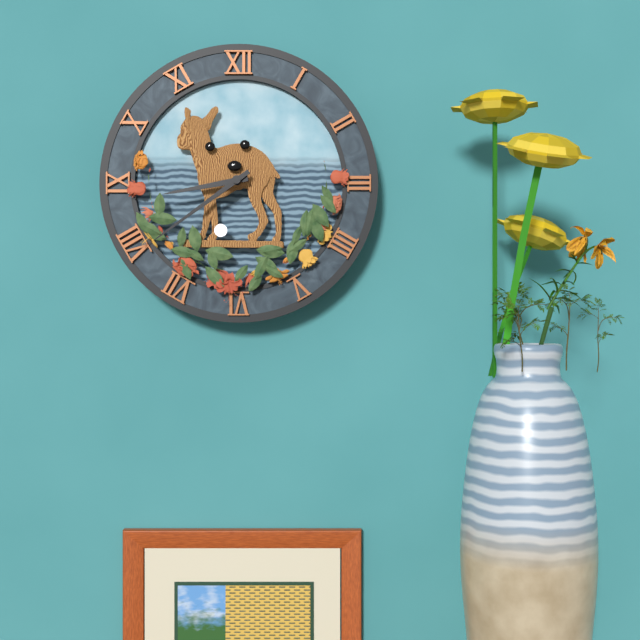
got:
8:39
